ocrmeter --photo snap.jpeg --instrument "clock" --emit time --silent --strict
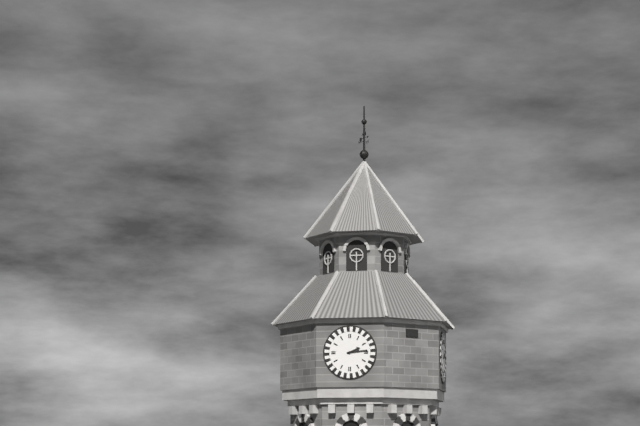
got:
2:14
